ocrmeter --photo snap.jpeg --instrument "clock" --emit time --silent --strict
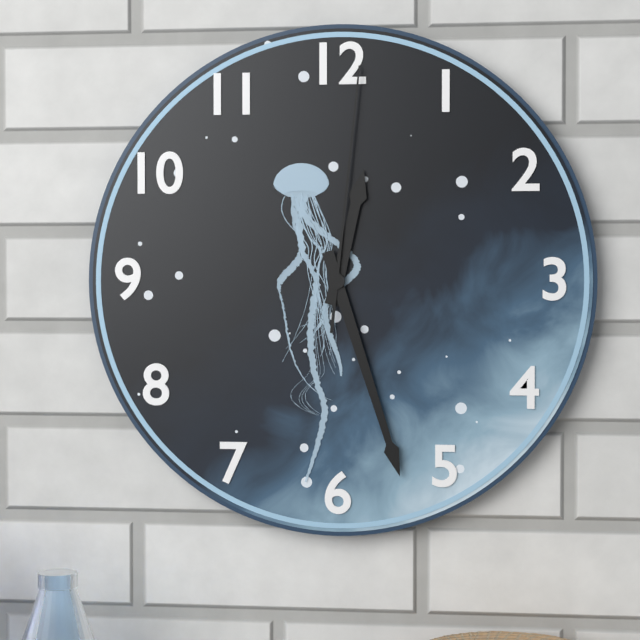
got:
12:27:01
